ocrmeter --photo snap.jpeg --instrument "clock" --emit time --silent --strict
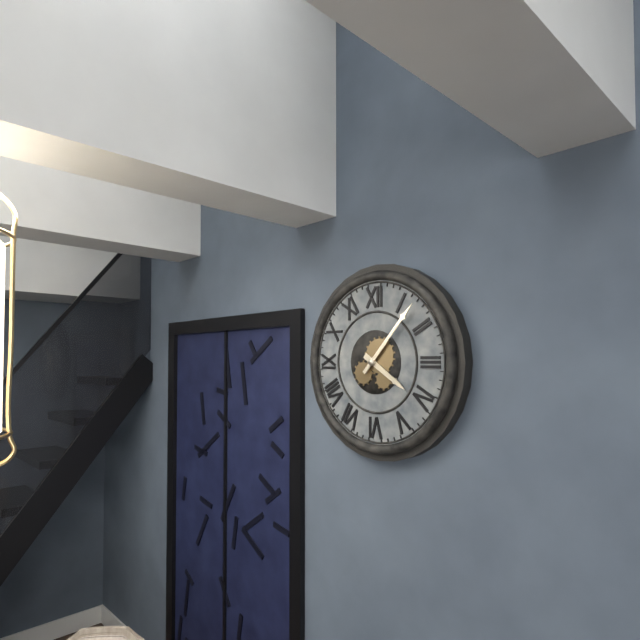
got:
4:07
